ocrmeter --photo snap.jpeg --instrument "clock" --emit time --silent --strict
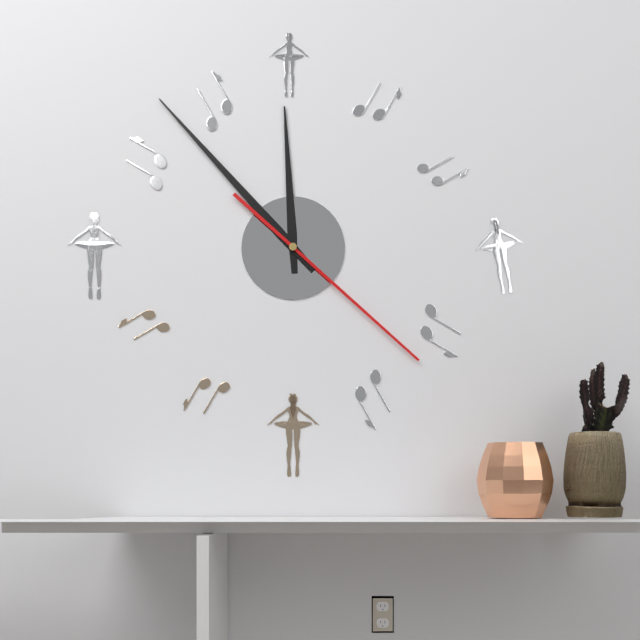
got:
11:53:22
